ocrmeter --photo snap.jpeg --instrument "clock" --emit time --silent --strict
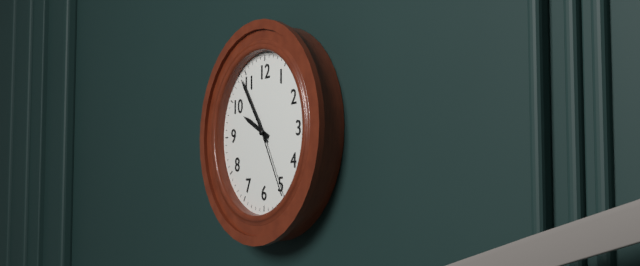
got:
9:54:25
